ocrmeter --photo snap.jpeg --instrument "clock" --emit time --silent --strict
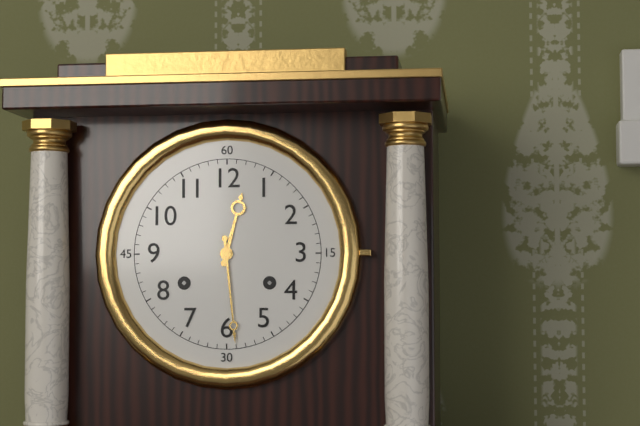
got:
12:29
